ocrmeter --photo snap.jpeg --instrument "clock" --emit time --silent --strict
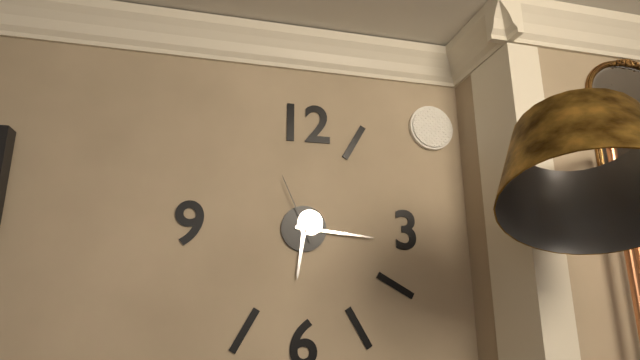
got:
6:16:56
